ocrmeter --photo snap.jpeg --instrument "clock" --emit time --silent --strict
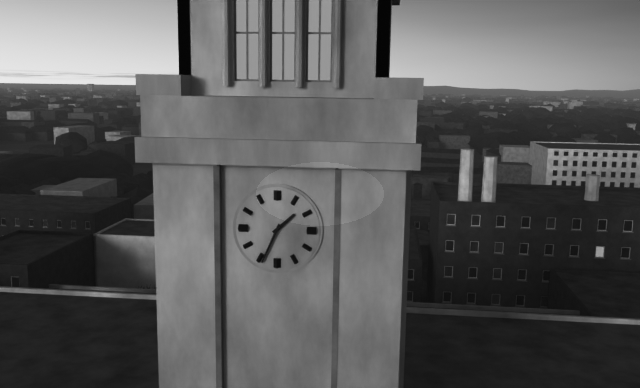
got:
1:34
